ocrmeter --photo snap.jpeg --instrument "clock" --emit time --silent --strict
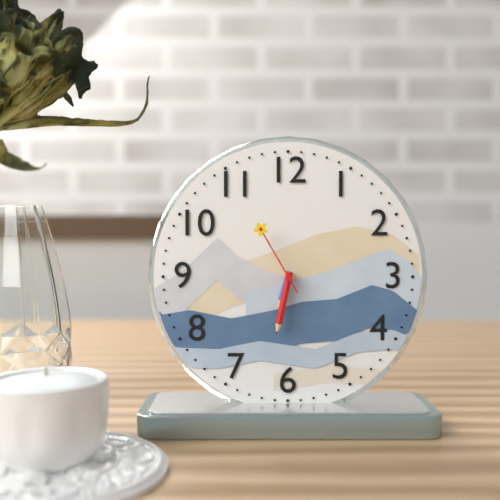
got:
6:32:55
